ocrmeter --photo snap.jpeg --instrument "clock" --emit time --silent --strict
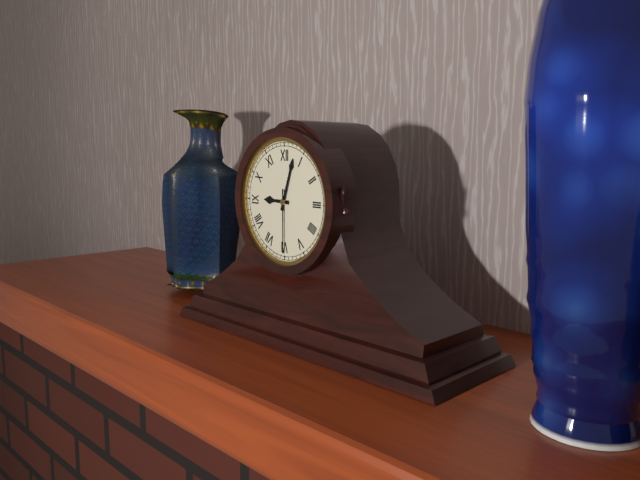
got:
9:03:30
